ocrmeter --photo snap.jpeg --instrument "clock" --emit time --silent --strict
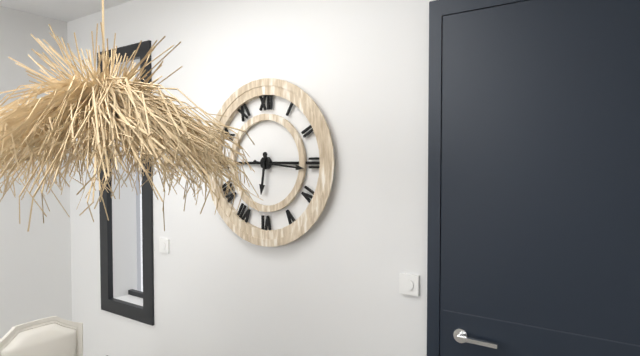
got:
6:16
